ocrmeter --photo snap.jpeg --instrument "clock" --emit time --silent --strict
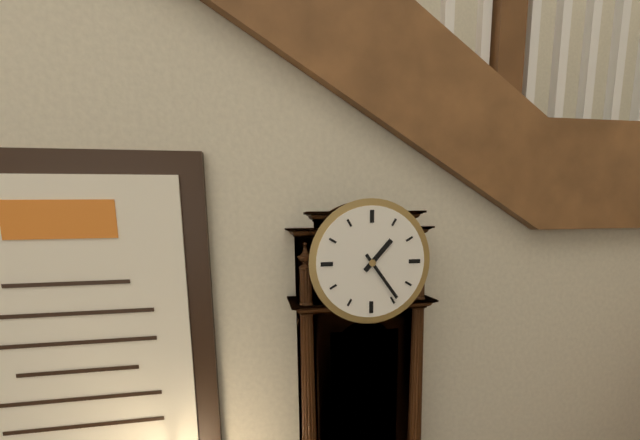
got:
1:24
